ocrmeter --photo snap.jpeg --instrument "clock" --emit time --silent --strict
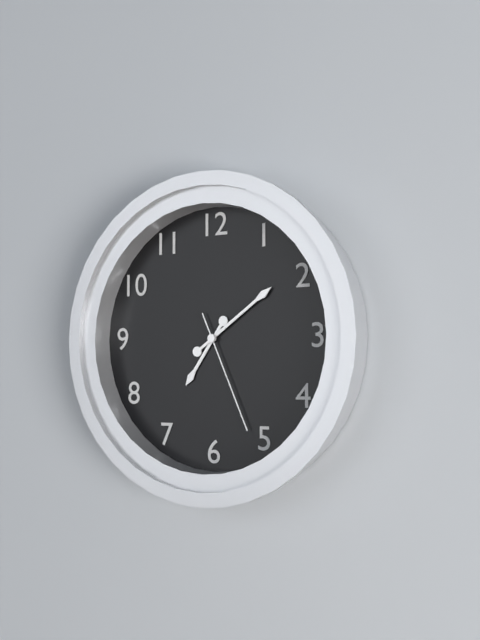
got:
7:09:26
